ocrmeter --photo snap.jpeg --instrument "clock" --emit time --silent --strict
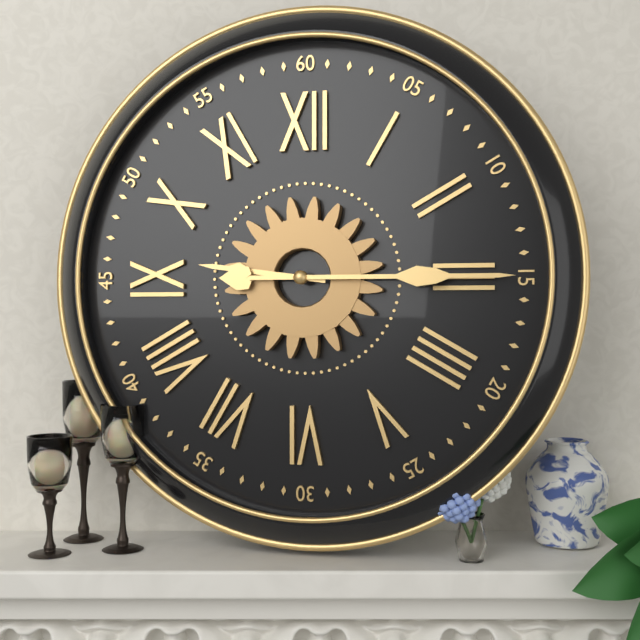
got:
9:15
